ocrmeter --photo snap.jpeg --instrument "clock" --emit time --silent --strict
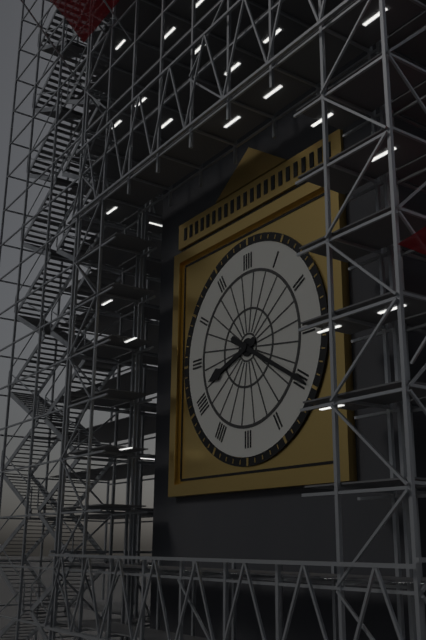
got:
8:20
